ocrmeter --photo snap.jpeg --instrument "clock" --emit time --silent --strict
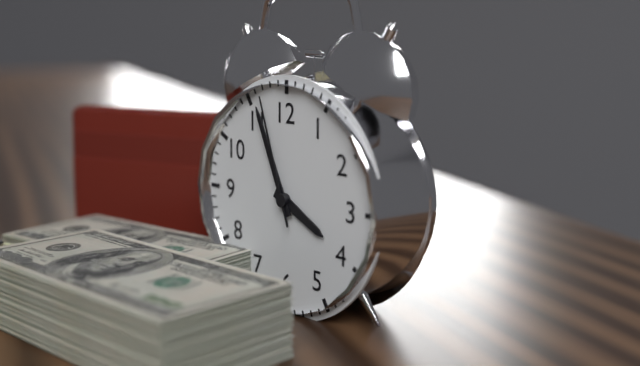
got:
3:56:57
